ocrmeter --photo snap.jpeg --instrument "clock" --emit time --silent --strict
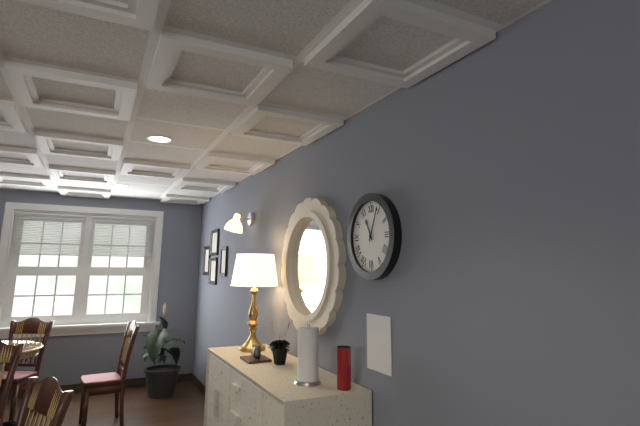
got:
11:04
